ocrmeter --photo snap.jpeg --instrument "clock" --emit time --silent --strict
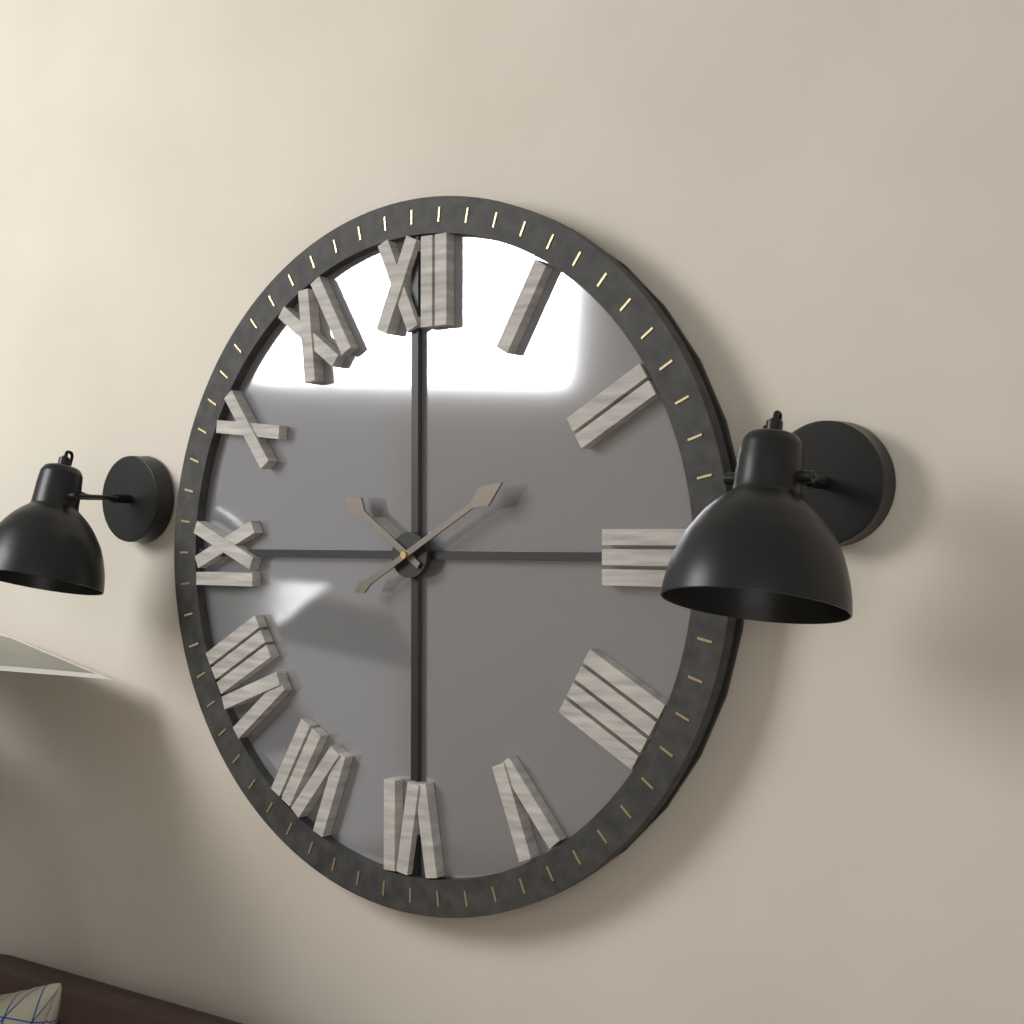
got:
10:10
